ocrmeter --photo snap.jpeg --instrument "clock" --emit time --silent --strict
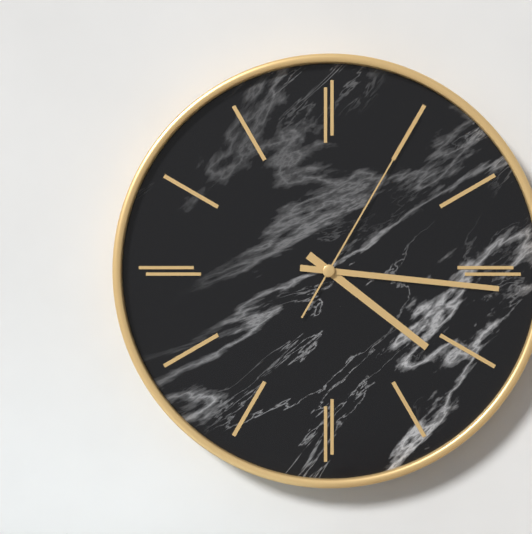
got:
4:16:05
